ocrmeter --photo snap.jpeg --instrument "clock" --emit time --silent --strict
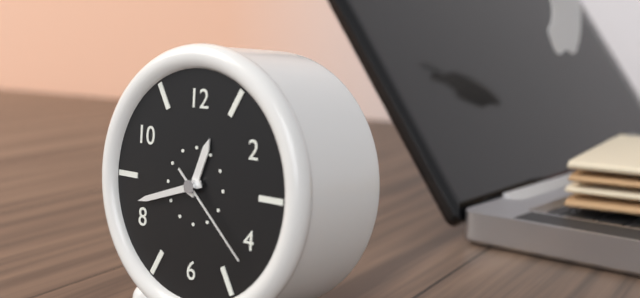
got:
12:42:22
